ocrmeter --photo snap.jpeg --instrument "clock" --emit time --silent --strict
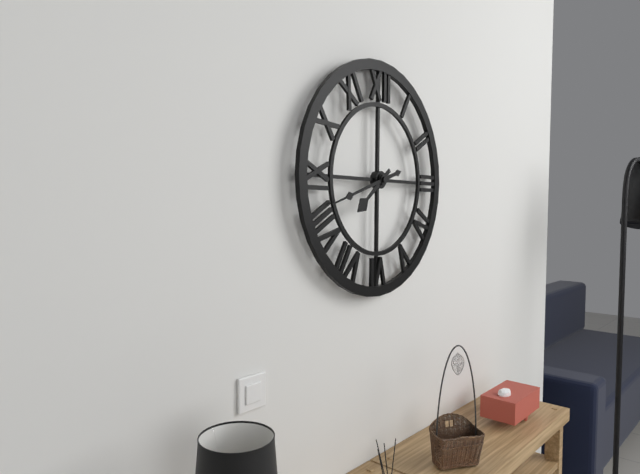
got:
7:42
